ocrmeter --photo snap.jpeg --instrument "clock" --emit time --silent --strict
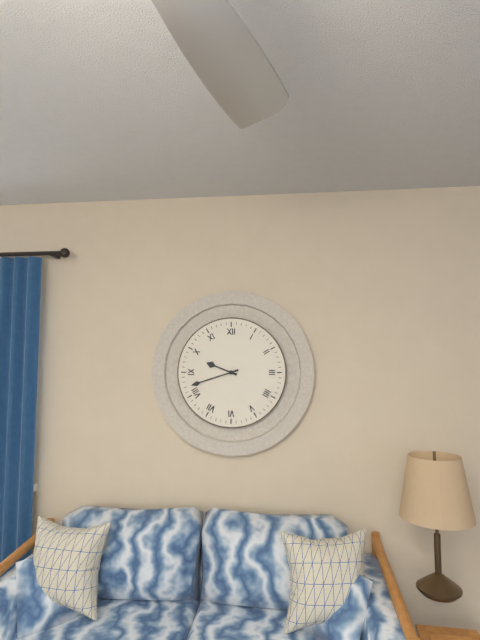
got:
9:42
